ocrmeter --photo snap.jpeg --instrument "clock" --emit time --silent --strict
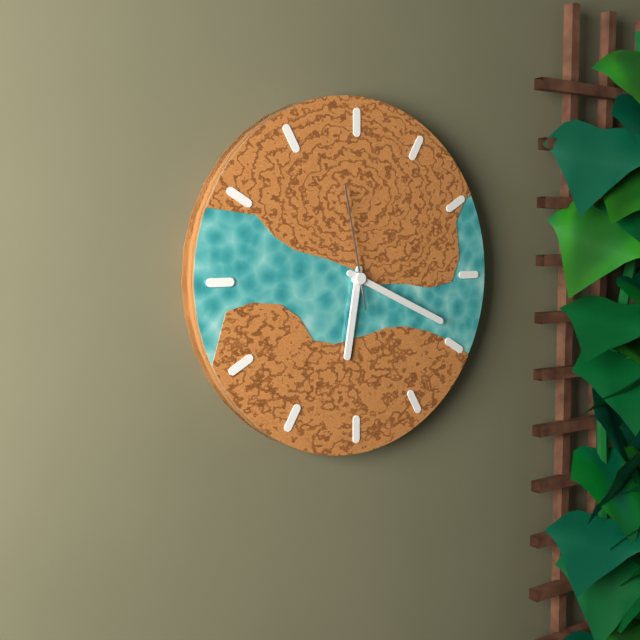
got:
6:19:58
